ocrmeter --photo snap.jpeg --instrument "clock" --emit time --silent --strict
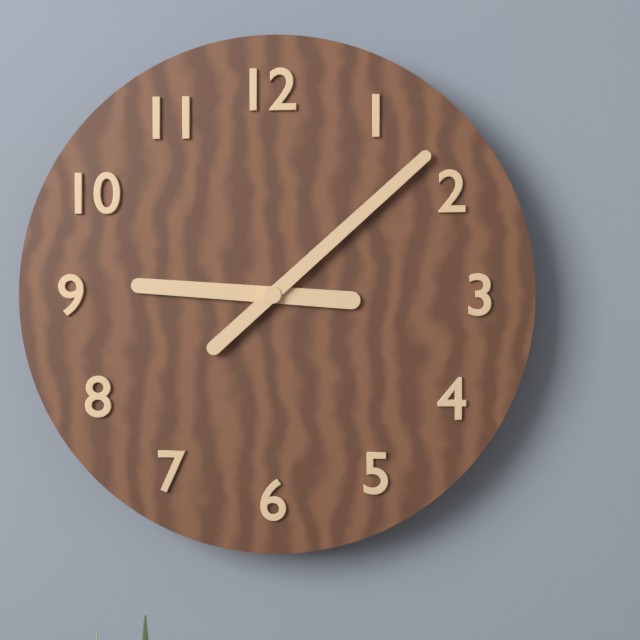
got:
9:08
